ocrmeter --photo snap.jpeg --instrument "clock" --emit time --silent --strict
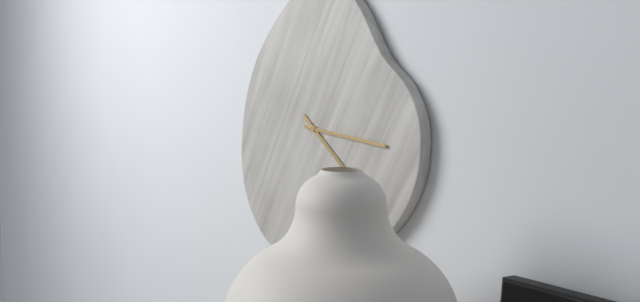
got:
4:16
